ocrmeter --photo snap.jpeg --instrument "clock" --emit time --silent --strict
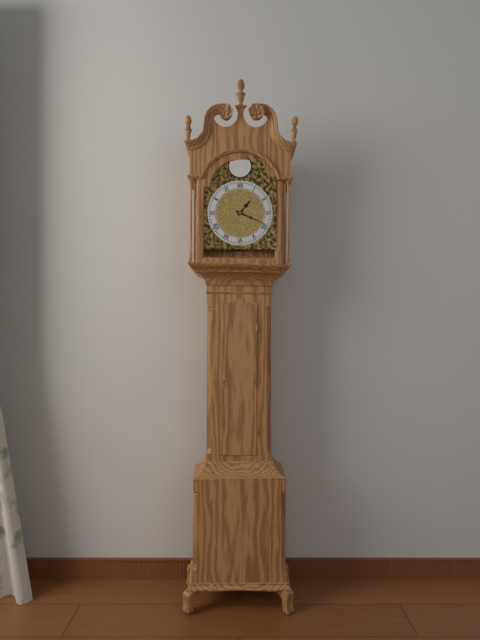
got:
1:19
